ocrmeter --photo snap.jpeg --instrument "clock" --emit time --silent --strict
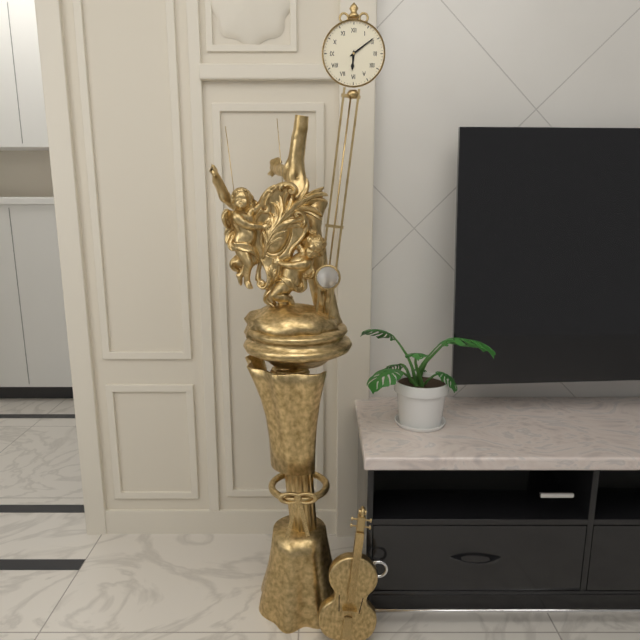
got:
6:09
